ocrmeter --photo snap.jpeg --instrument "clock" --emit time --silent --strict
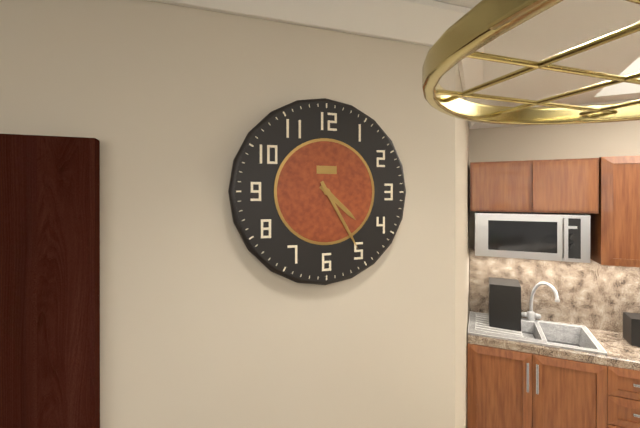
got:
4:25
